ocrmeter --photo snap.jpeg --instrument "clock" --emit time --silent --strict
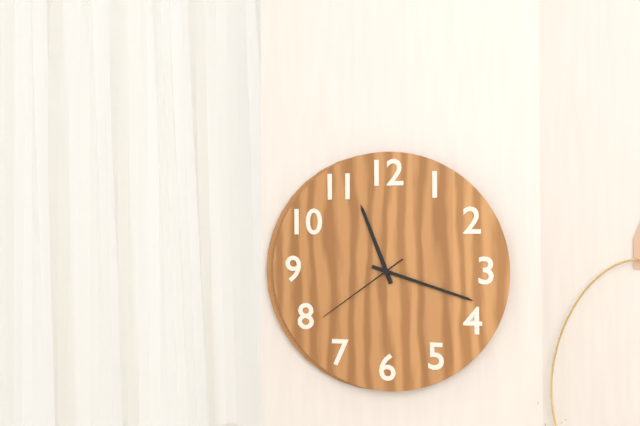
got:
11:18:39
